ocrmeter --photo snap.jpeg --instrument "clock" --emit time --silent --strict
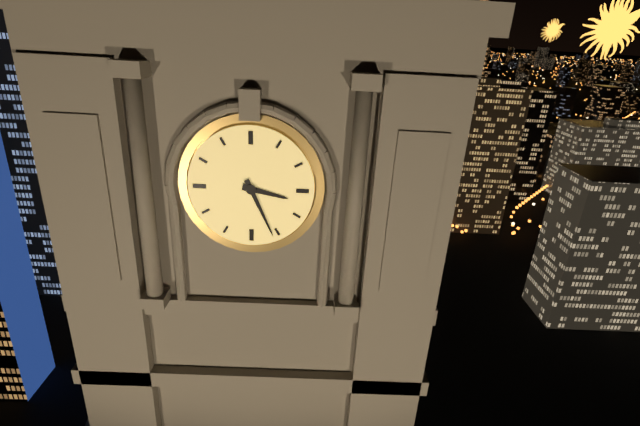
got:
3:26
